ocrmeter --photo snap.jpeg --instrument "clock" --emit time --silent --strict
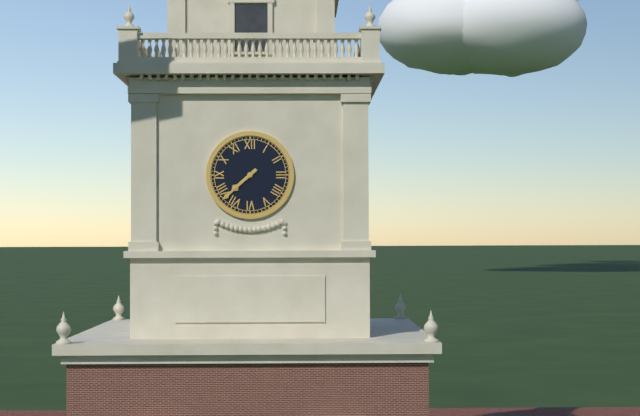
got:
7:38
